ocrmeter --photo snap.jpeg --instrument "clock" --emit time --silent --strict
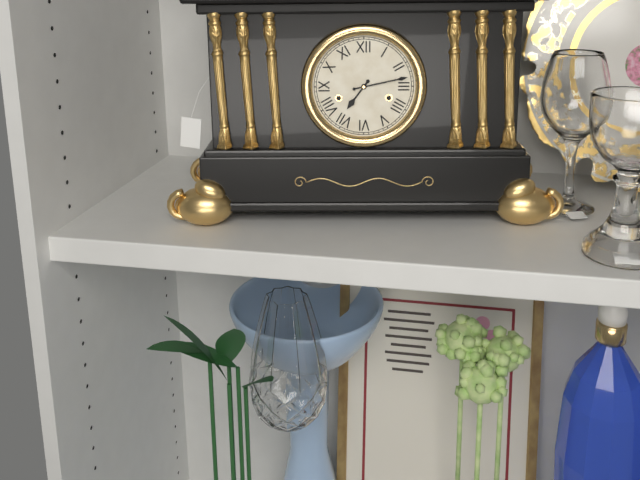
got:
7:13
